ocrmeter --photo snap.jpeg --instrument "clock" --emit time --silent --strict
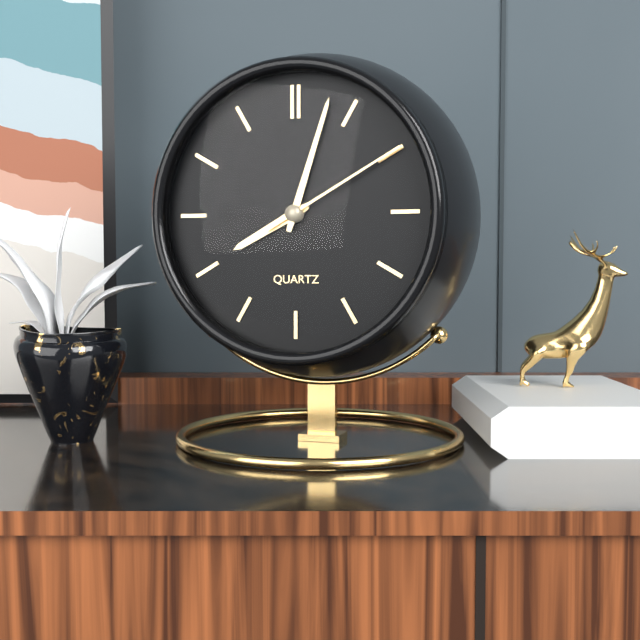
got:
8:03:10
